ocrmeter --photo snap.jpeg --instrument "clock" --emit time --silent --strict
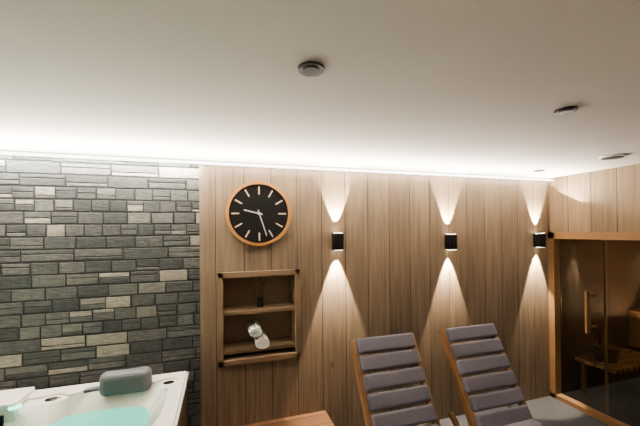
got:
9:27
